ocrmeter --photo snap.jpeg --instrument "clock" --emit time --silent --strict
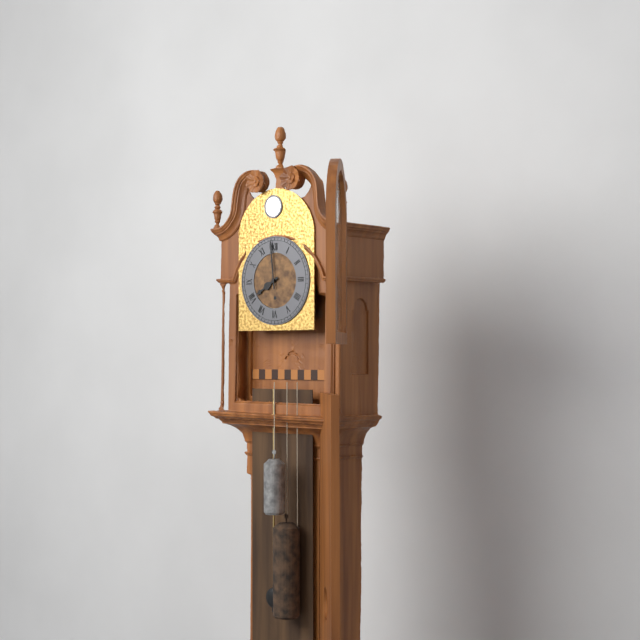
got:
7:59
